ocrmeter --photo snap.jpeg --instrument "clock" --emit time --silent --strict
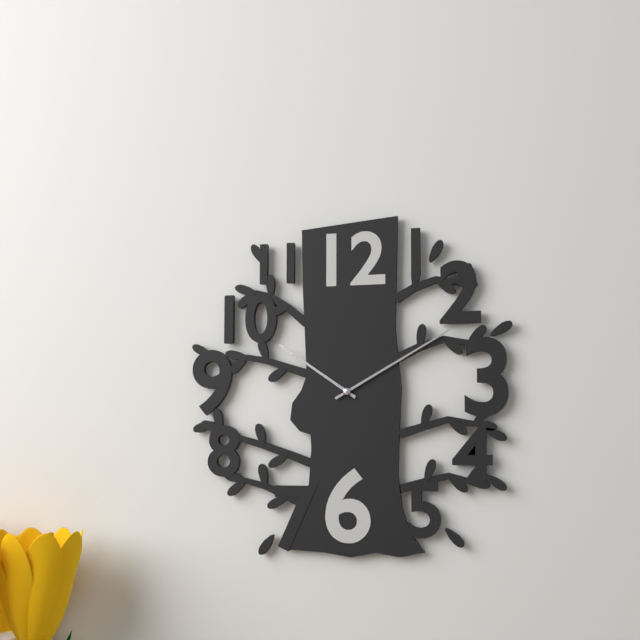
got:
10:10
